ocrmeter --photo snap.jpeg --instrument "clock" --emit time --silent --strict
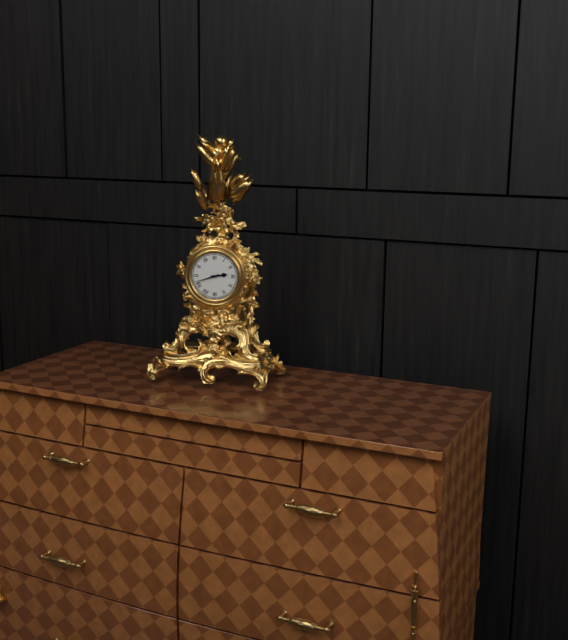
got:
2:42
